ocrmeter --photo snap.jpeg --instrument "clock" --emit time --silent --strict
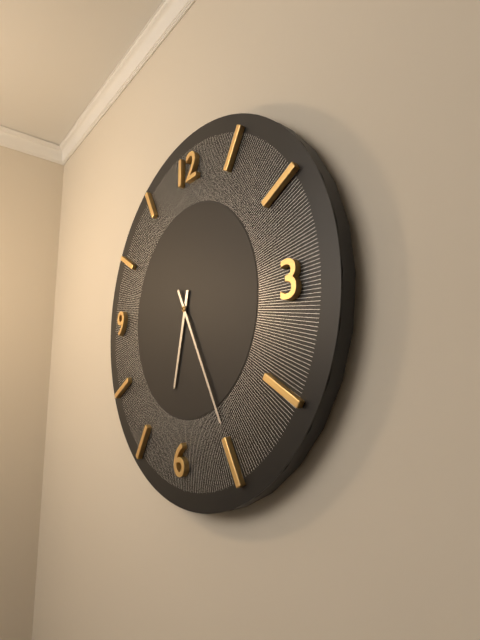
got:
6:25
